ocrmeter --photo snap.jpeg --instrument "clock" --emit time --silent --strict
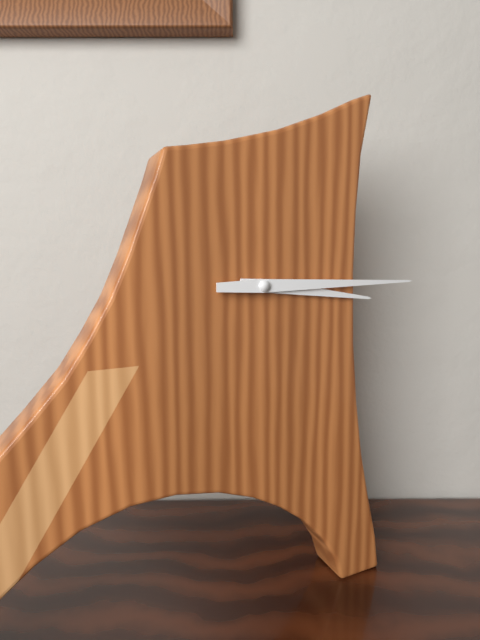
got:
3:15
